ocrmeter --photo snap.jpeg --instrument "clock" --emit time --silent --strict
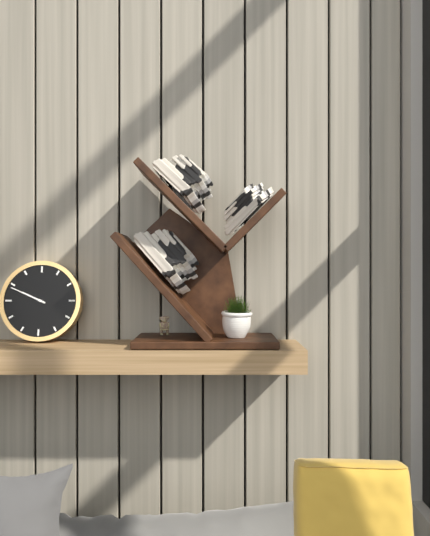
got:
9:49
